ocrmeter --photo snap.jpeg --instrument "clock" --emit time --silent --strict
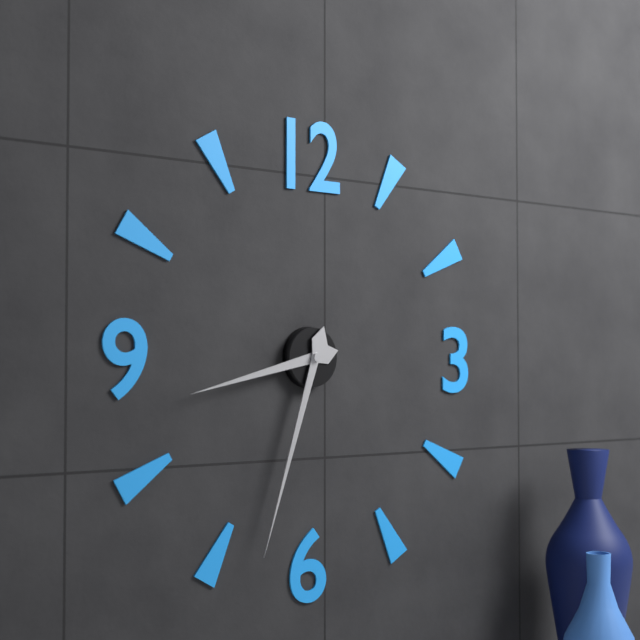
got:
8:33
